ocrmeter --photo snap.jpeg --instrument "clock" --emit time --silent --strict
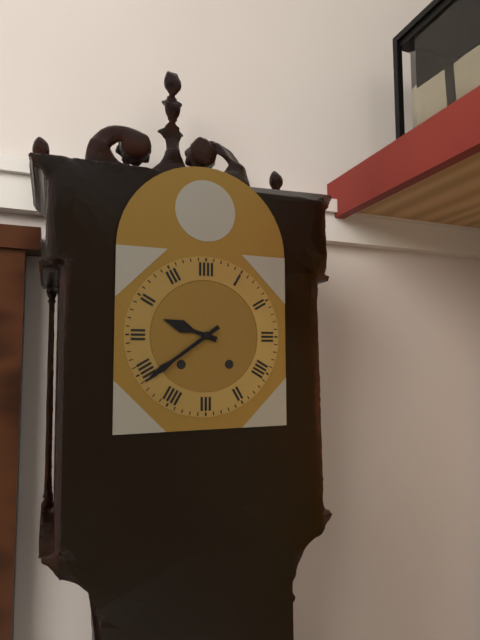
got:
9:39
